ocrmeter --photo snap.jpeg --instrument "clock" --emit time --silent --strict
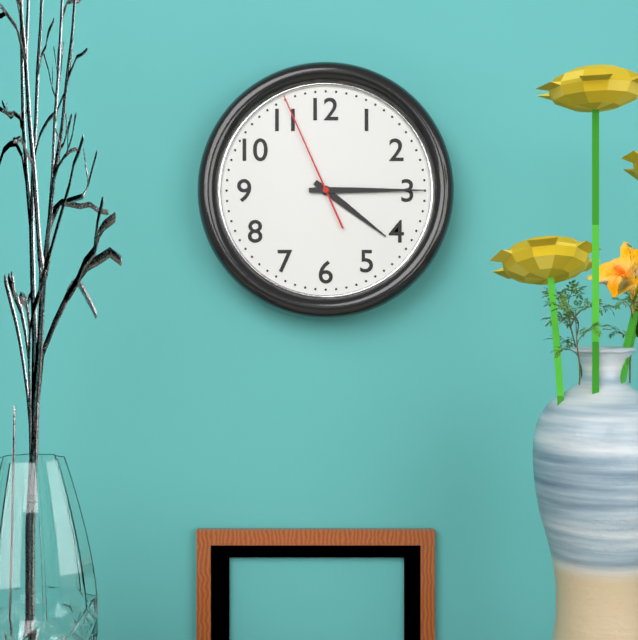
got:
4:15:56
